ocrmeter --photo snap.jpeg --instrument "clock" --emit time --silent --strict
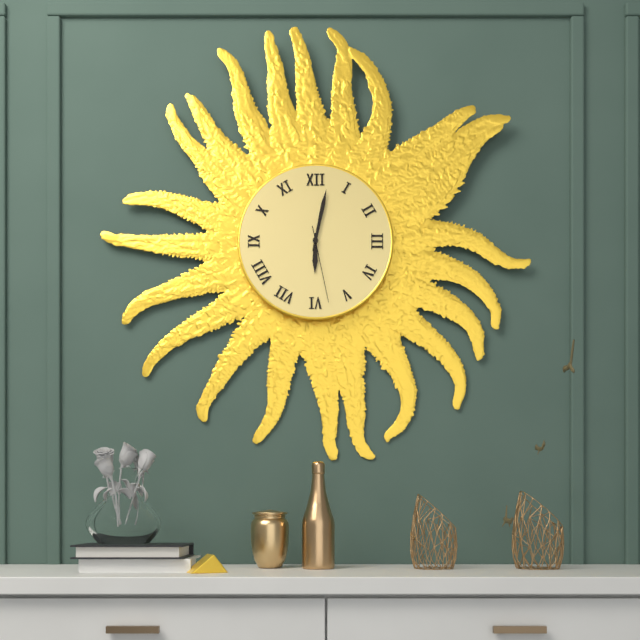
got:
6:02:28
